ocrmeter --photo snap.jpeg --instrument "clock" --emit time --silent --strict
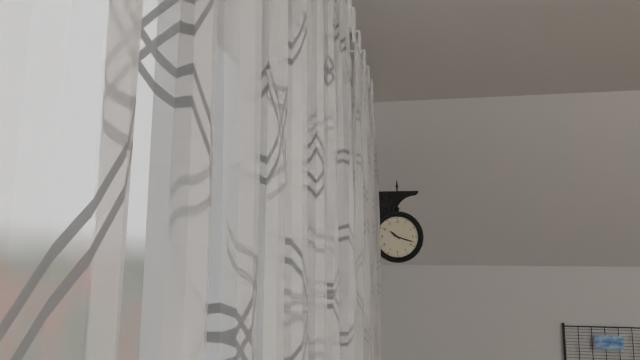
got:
10:18
